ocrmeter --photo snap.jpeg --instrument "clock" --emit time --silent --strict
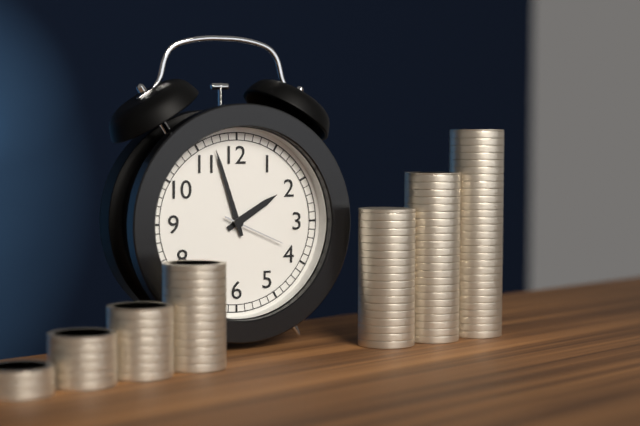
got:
1:57:19
